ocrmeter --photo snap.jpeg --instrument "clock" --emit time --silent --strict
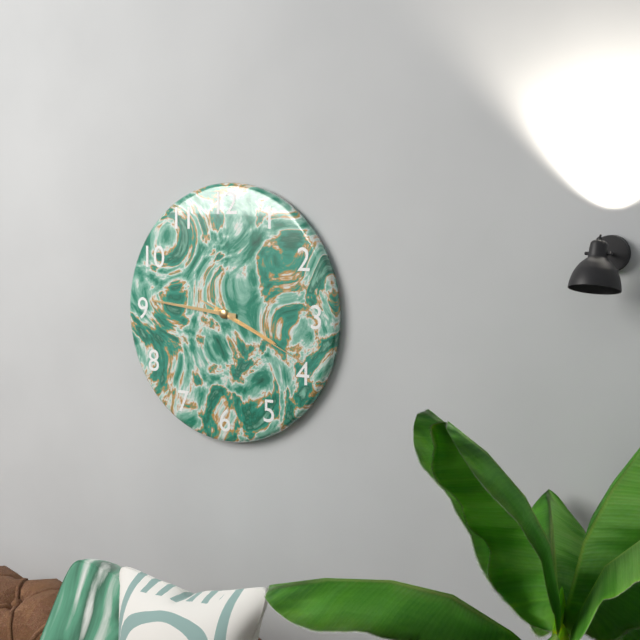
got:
3:46:19
